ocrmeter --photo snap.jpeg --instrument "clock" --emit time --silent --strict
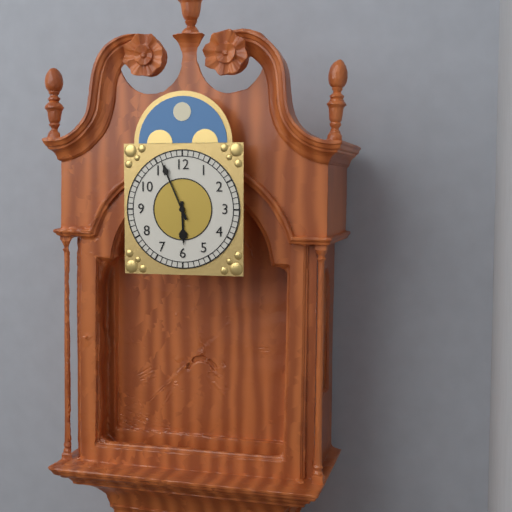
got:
5:56
